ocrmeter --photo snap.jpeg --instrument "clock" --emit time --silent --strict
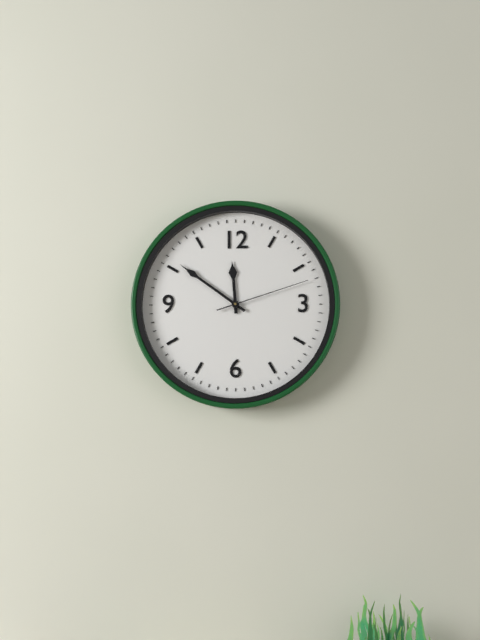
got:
11:51:12
